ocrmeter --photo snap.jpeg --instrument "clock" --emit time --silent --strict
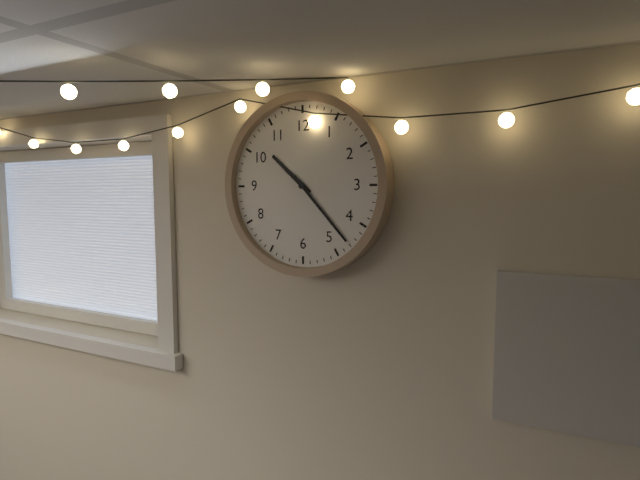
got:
10:23
